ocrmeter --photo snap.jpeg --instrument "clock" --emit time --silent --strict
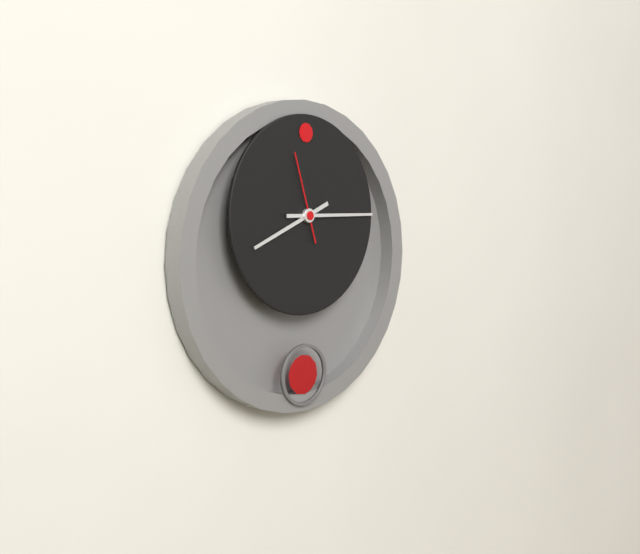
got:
8:15:57
